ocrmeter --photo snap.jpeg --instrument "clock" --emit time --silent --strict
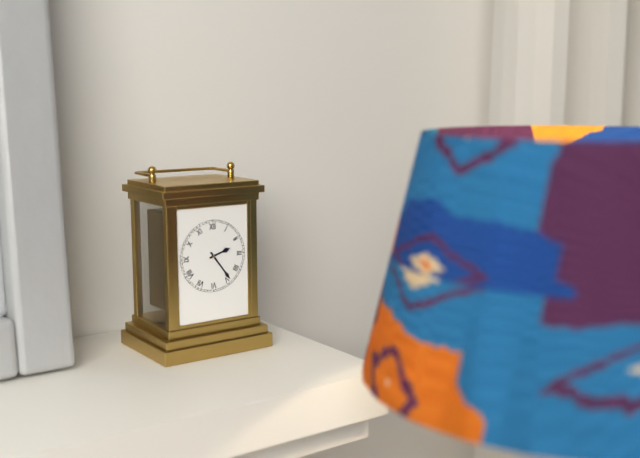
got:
2:24
